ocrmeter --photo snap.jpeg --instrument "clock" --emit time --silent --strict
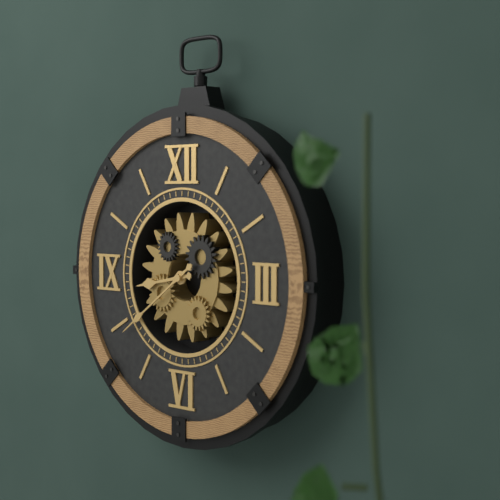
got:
8:39
